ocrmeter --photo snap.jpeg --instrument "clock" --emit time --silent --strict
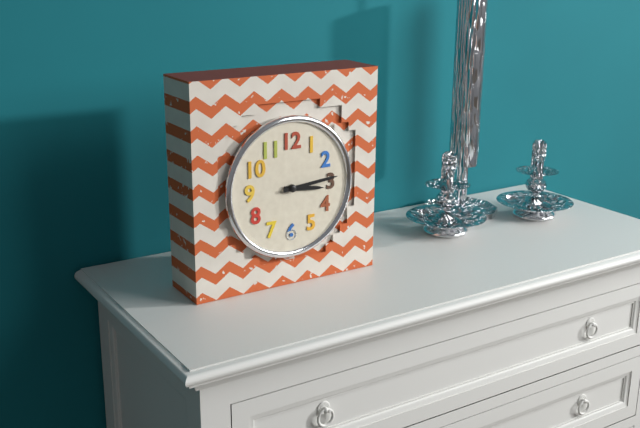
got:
3:14
